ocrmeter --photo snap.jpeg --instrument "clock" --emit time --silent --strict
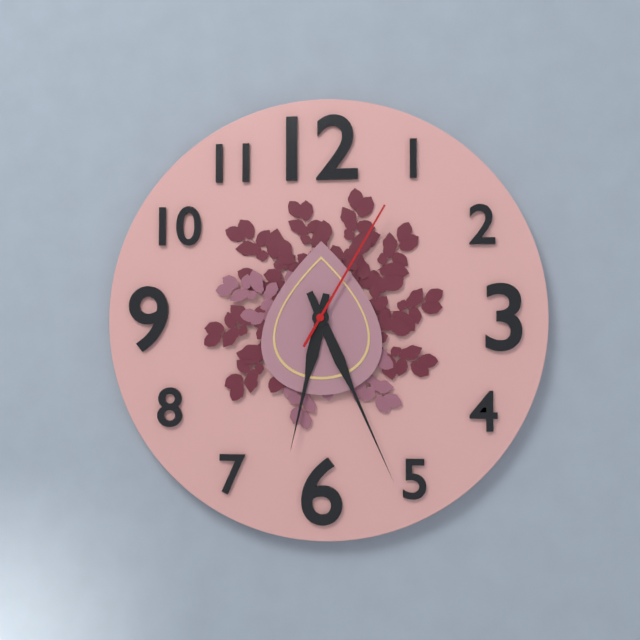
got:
6:26:05
